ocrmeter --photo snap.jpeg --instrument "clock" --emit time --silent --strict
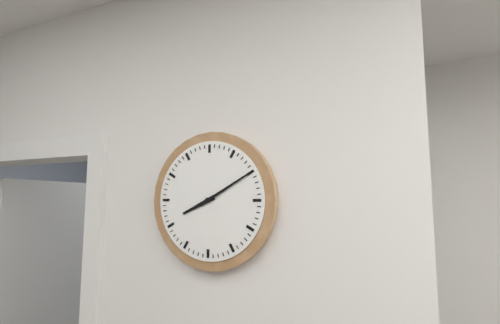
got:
8:10
